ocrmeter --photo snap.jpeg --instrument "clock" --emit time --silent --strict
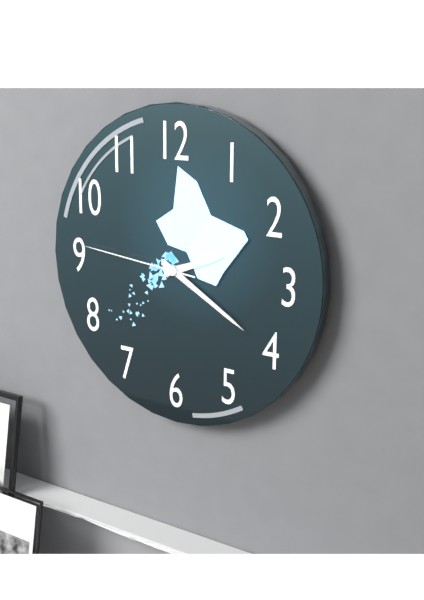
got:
2:20:46
